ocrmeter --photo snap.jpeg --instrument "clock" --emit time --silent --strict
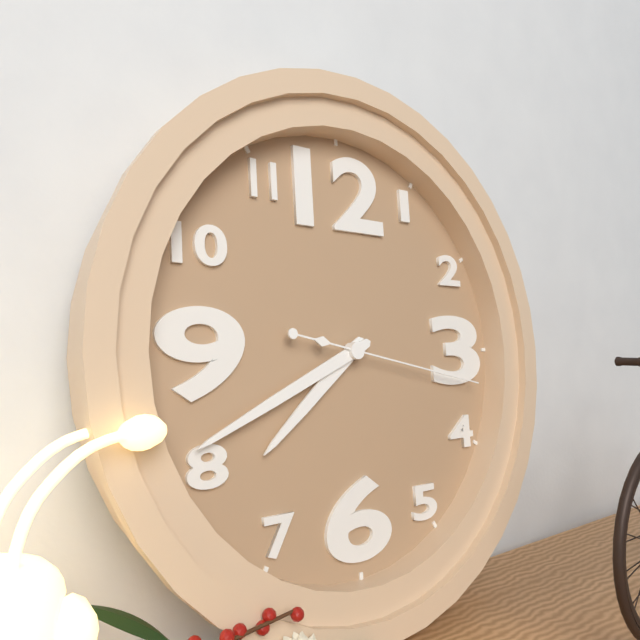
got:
7:41:17
